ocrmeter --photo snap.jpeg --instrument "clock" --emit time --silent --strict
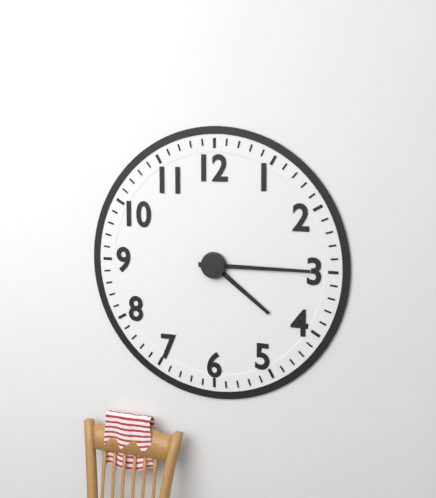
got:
4:15
